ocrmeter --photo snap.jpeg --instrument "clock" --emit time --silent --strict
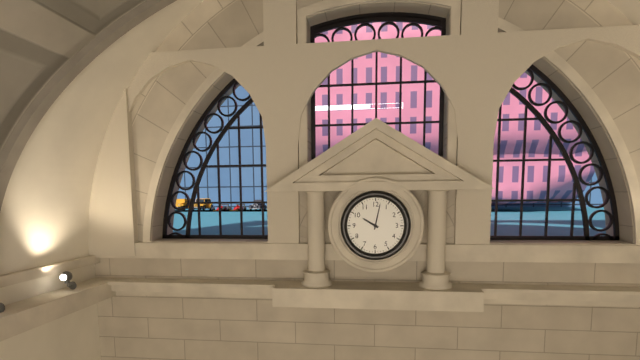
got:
10:02
